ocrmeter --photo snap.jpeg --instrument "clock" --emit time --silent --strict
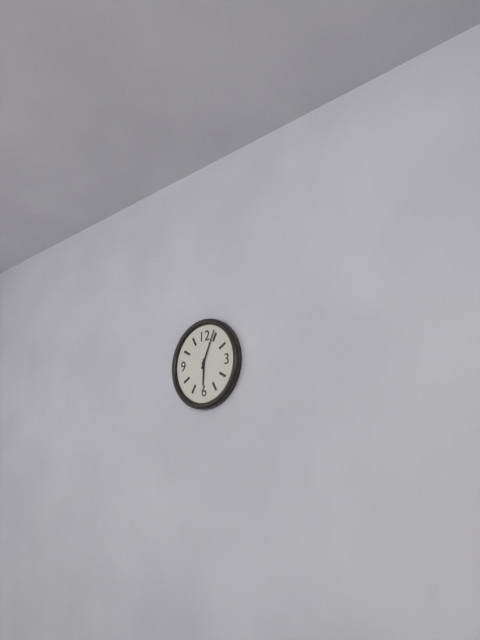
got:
6:04
